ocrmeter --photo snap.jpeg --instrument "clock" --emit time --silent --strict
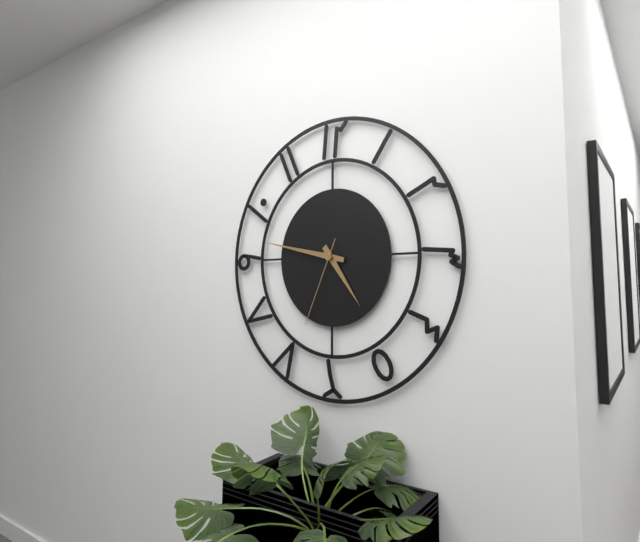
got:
4:47:34
